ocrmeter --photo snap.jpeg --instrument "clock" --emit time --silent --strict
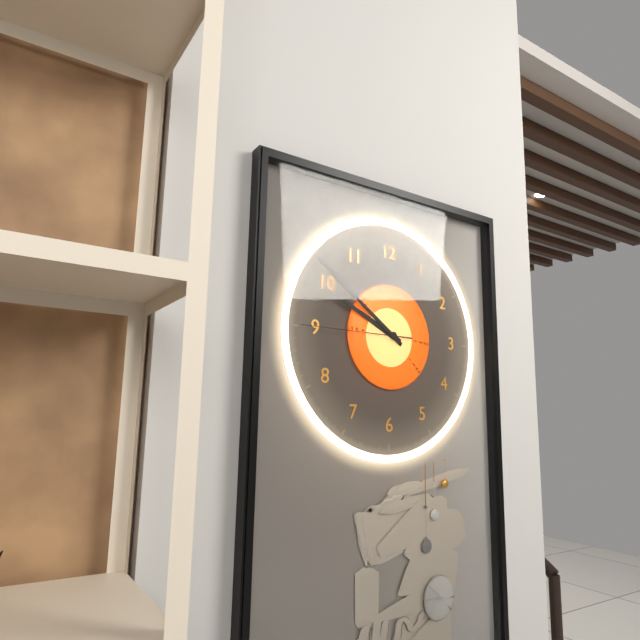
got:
9:51:45
